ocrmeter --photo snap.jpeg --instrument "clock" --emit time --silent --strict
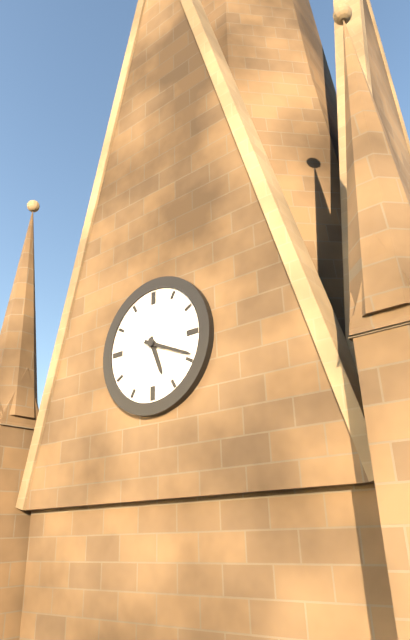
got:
5:19
